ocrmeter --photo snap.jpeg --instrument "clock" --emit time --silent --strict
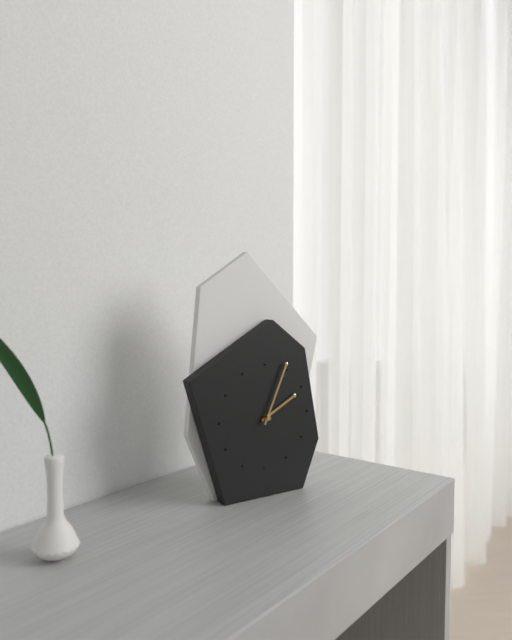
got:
2:04
